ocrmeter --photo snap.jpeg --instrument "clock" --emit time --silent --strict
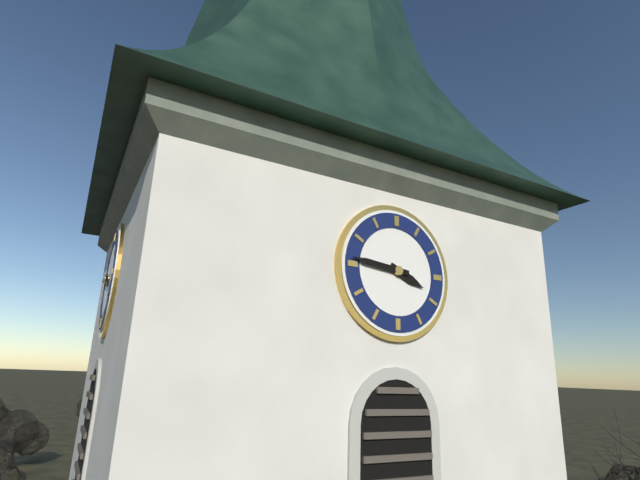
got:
3:46
